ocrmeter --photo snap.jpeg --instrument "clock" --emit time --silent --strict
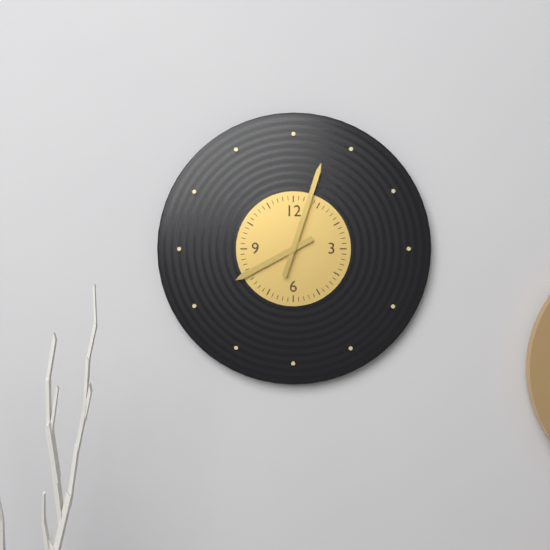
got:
8:03
